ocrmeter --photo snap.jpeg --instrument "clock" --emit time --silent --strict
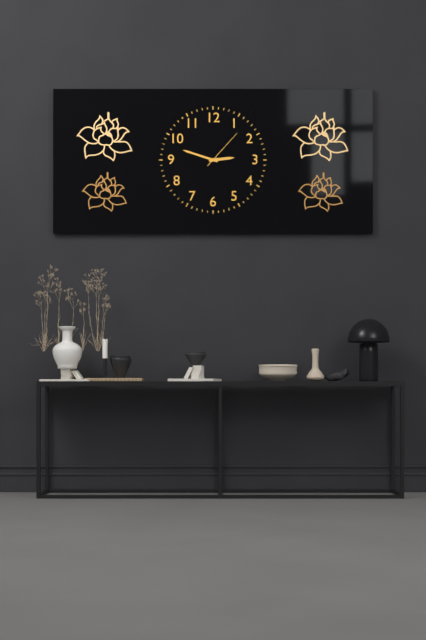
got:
2:48
